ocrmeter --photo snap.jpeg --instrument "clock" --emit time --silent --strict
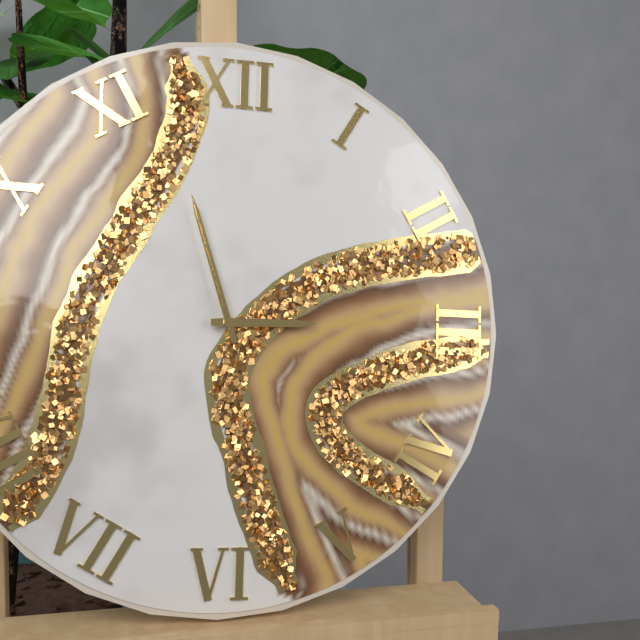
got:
2:57:57
